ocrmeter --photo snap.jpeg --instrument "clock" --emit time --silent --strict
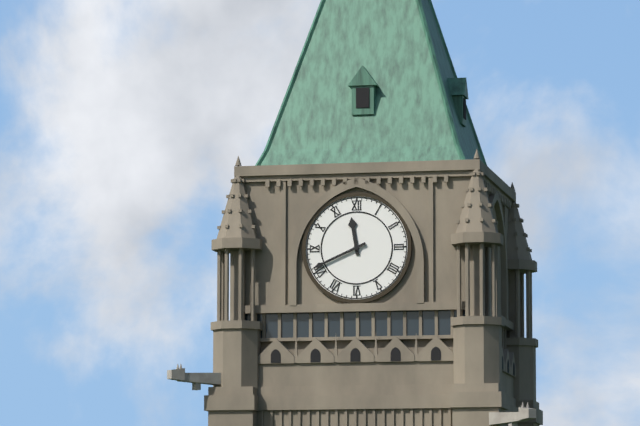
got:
11:41
